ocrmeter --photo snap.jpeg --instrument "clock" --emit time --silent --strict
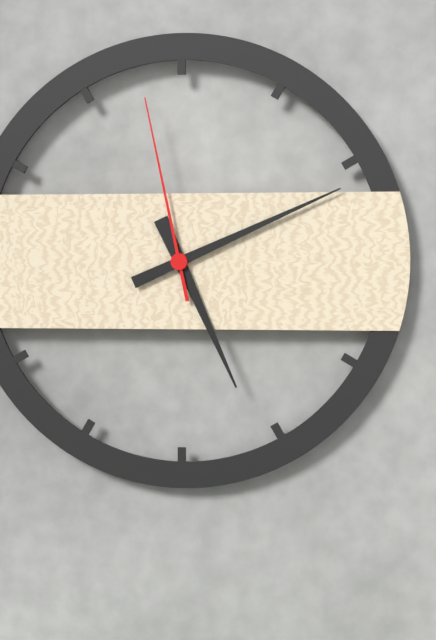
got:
5:11:58
